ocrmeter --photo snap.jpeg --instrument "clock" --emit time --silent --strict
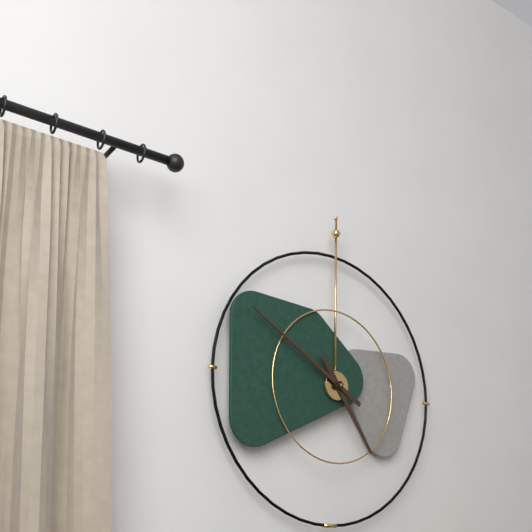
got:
4:50
